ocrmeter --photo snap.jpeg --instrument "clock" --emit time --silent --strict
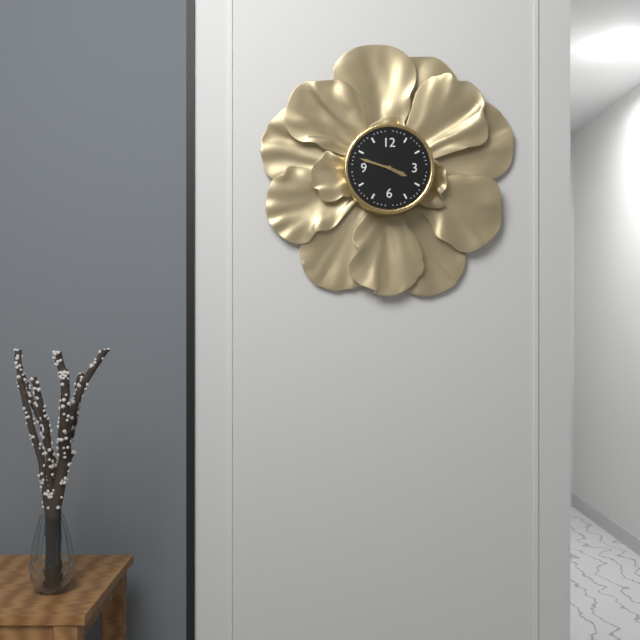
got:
3:48
